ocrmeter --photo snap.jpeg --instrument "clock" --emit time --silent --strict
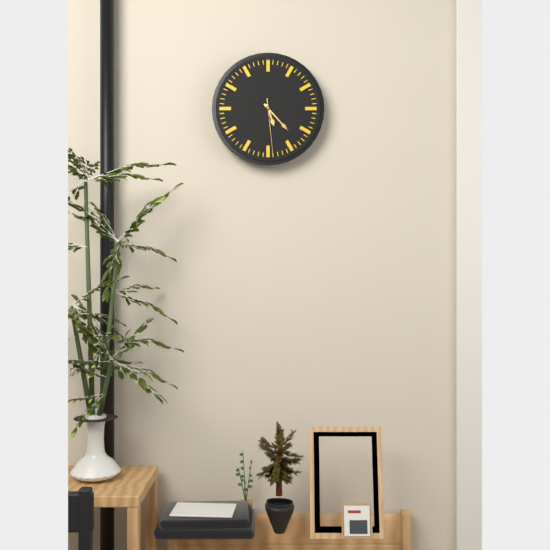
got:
5:23:29
